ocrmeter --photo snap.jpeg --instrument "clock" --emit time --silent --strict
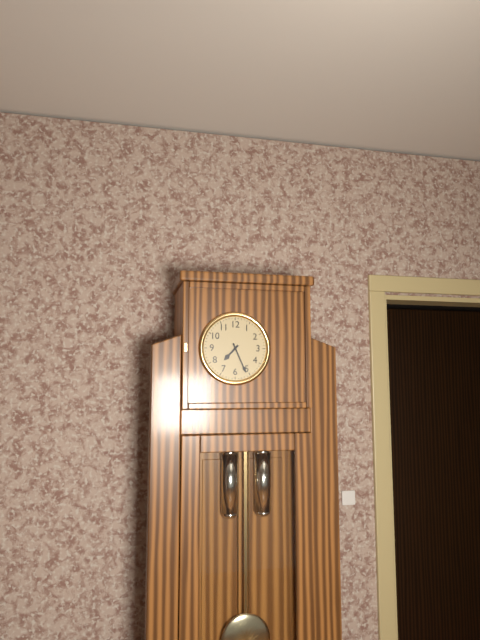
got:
7:26
